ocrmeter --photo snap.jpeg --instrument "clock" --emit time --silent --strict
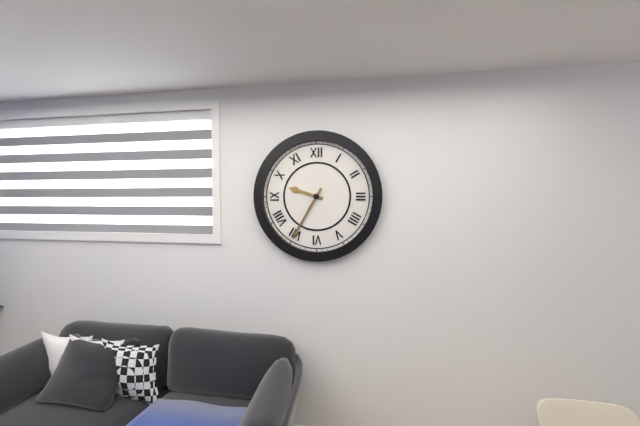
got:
9:35
